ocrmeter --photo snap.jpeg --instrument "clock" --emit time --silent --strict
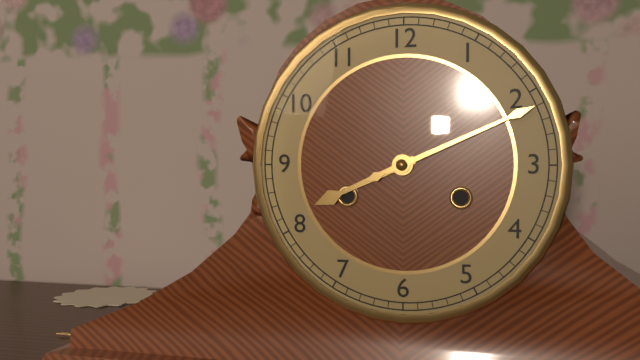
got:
8:11
